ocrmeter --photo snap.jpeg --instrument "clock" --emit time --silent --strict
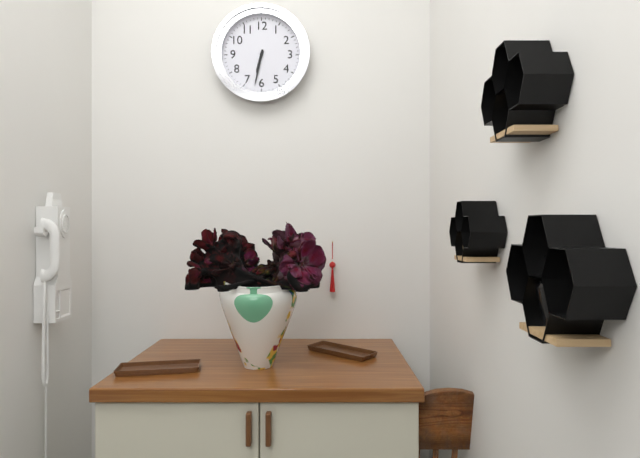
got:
6:32
